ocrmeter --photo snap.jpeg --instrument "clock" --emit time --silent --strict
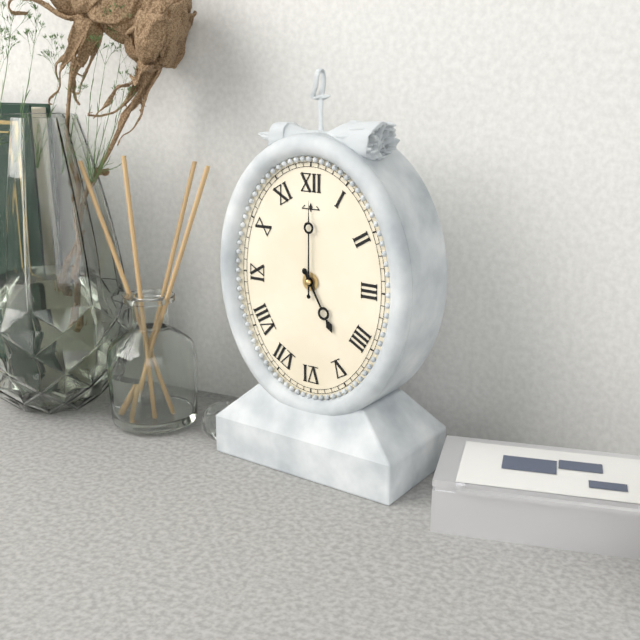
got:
5:00
